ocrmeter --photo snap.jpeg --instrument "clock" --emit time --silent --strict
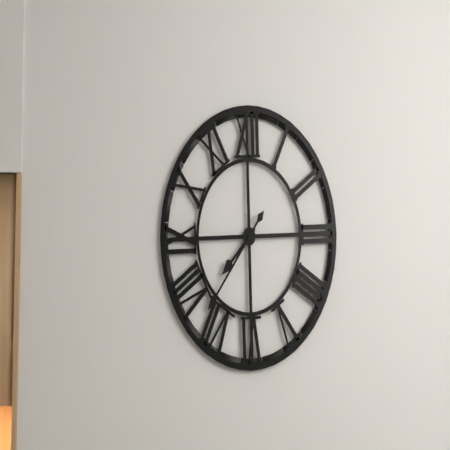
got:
7:37
